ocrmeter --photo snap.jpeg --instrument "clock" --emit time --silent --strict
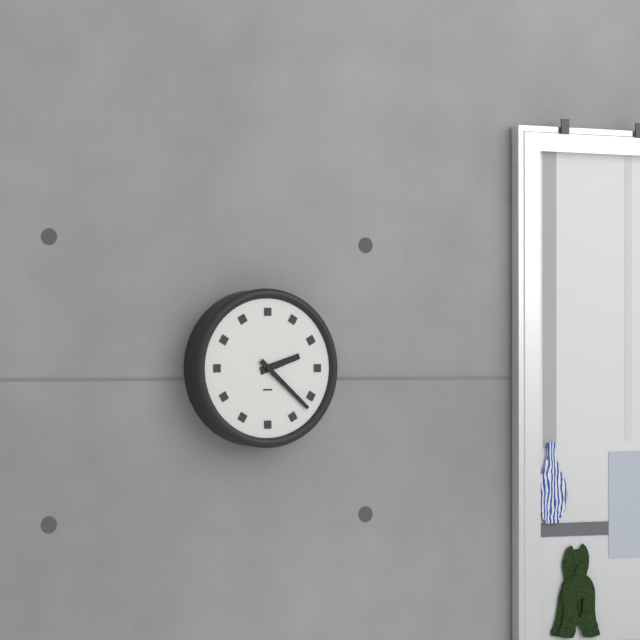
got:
2:22
